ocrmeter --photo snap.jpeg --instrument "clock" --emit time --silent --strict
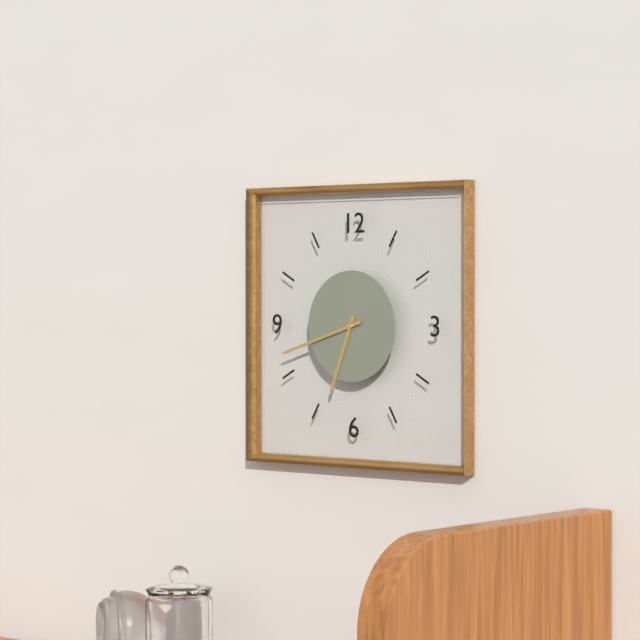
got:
6:42
